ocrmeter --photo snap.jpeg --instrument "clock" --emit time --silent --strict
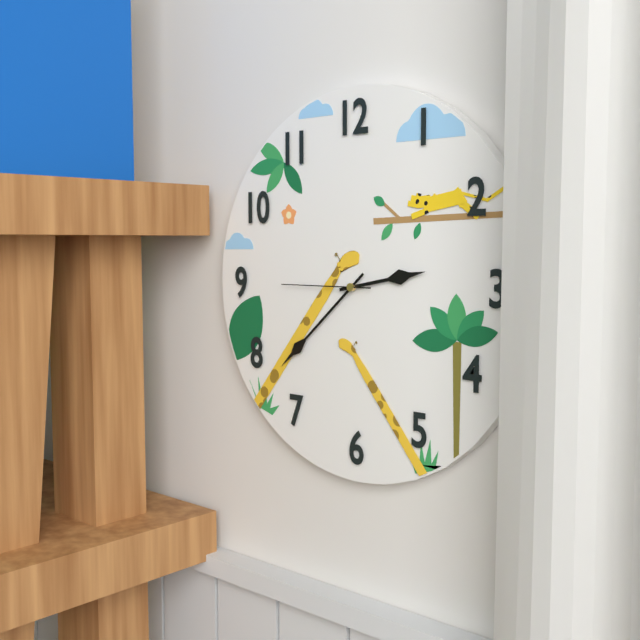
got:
2:38:45
